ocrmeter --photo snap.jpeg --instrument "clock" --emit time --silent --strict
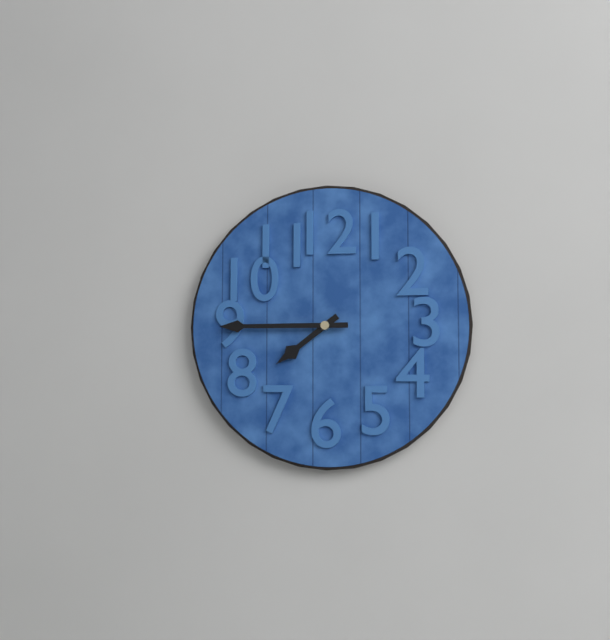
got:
7:45
